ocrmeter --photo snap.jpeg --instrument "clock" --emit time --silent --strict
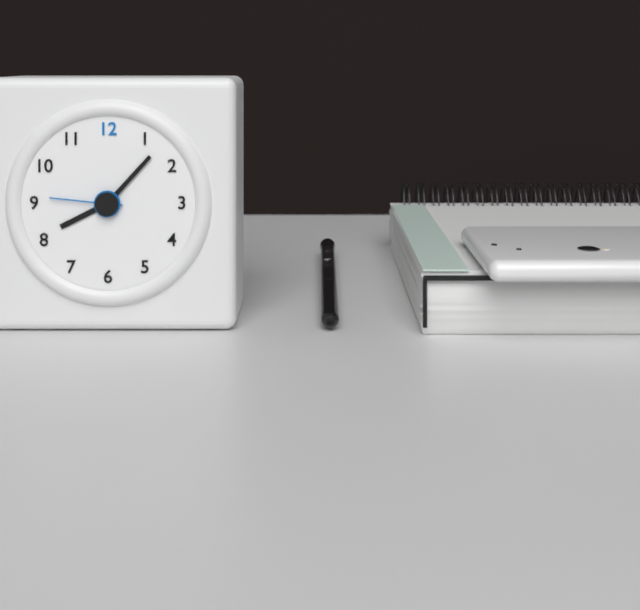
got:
8:07:46
